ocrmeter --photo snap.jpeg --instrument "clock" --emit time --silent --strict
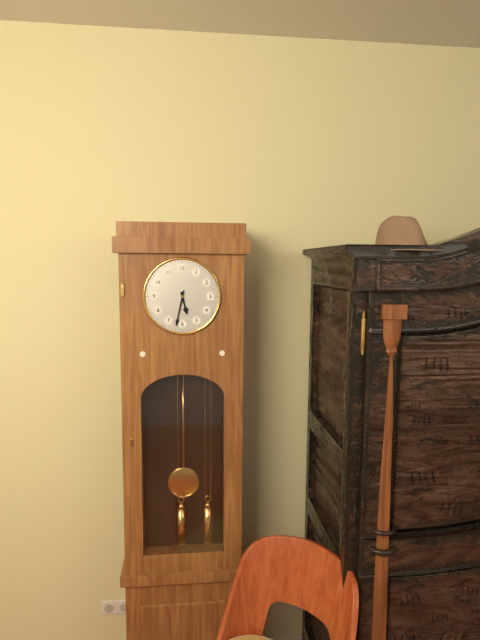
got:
5:32
